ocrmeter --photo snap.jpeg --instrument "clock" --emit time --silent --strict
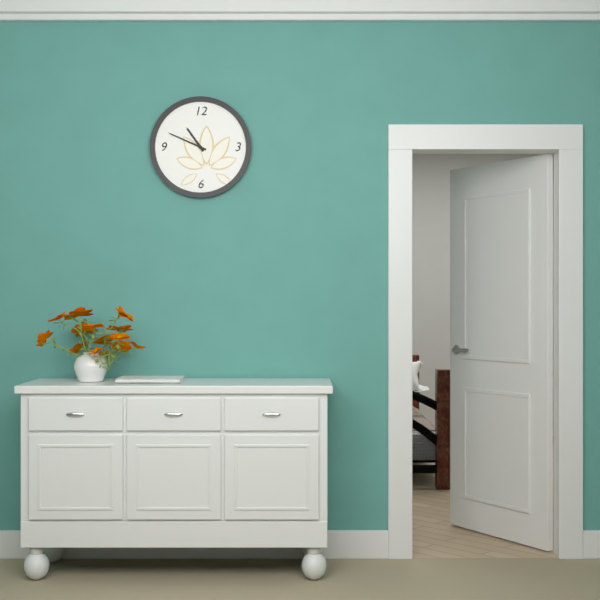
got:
10:49
